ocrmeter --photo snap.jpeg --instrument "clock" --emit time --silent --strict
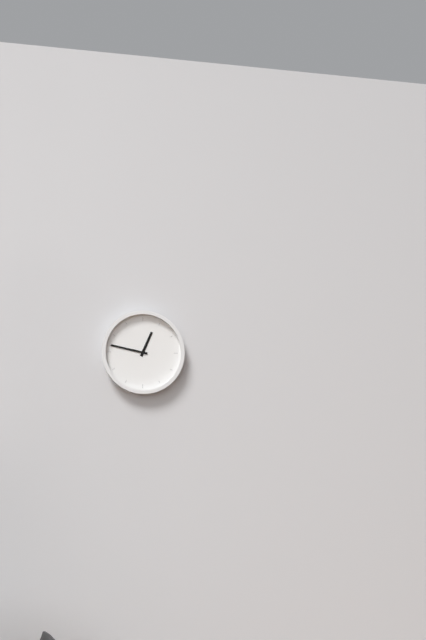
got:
12:47
